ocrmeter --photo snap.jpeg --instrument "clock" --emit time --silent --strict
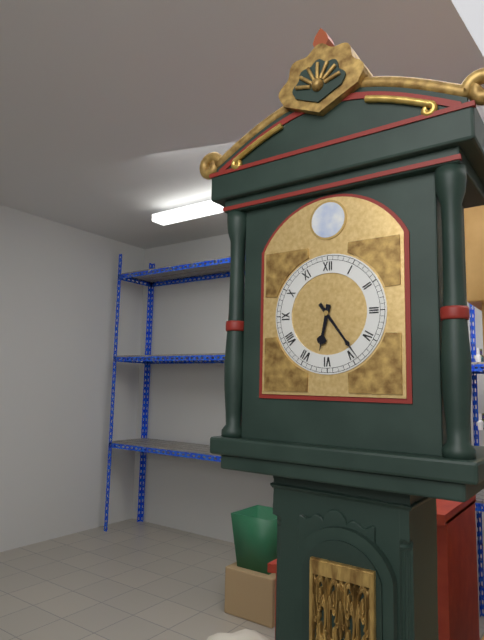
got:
6:24
